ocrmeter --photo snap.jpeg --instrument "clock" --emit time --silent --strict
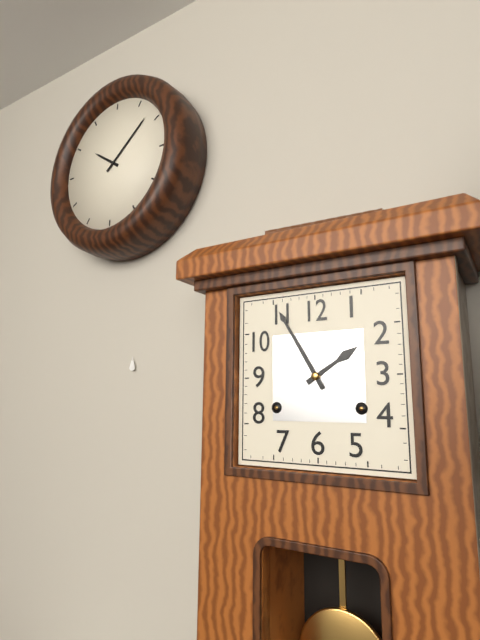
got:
1:55
